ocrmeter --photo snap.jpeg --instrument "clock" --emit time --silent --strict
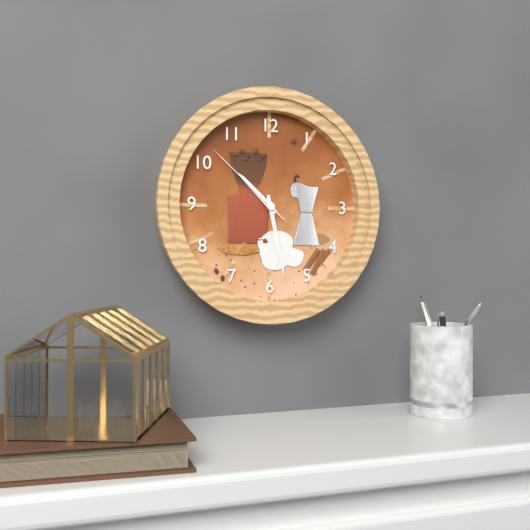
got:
10:28:52
